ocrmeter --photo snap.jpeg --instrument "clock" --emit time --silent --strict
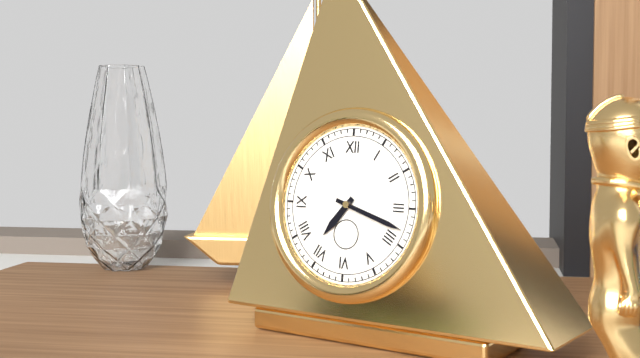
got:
7:18
